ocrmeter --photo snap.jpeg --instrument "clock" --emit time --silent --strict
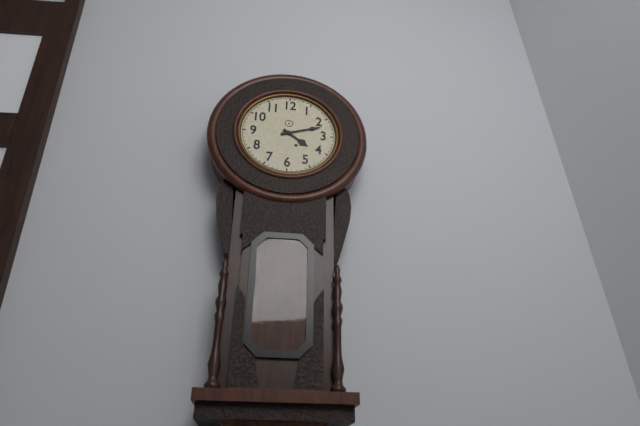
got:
4:12
